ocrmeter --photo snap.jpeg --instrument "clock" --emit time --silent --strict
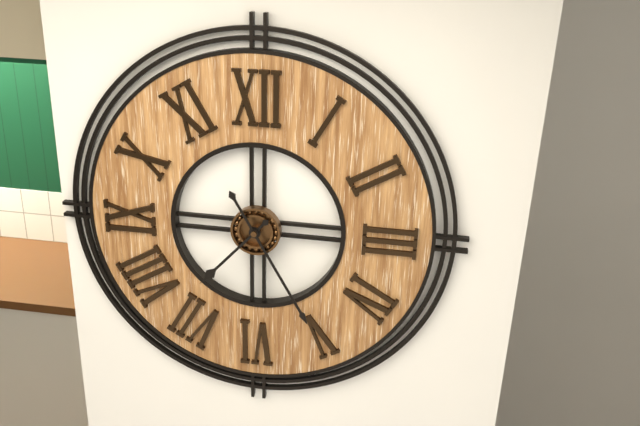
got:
7:25
